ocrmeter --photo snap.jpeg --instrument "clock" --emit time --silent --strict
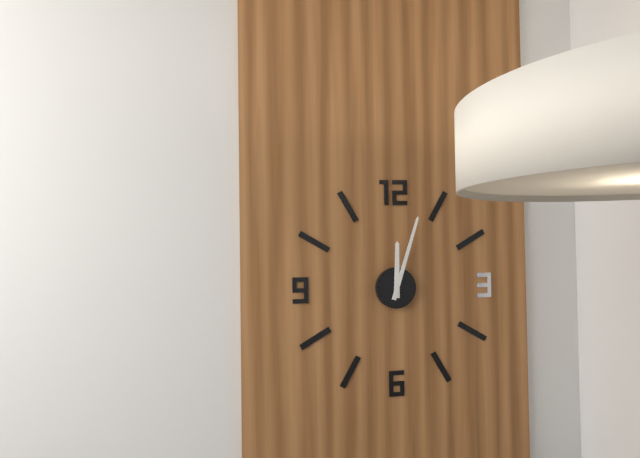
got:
12:03
